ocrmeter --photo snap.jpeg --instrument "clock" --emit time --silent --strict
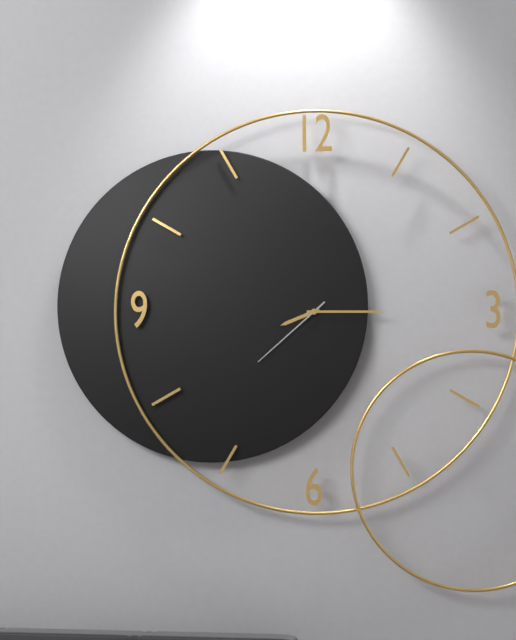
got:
8:15:38
